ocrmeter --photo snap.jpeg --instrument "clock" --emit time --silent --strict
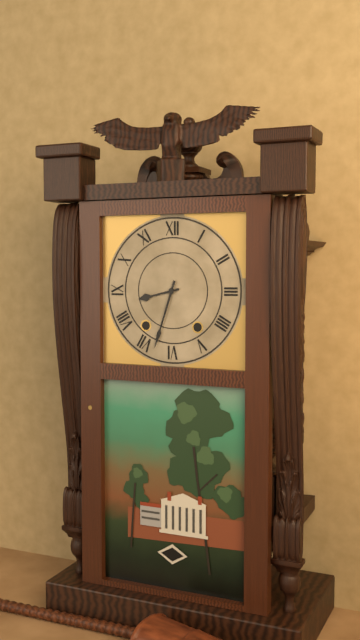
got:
8:33
